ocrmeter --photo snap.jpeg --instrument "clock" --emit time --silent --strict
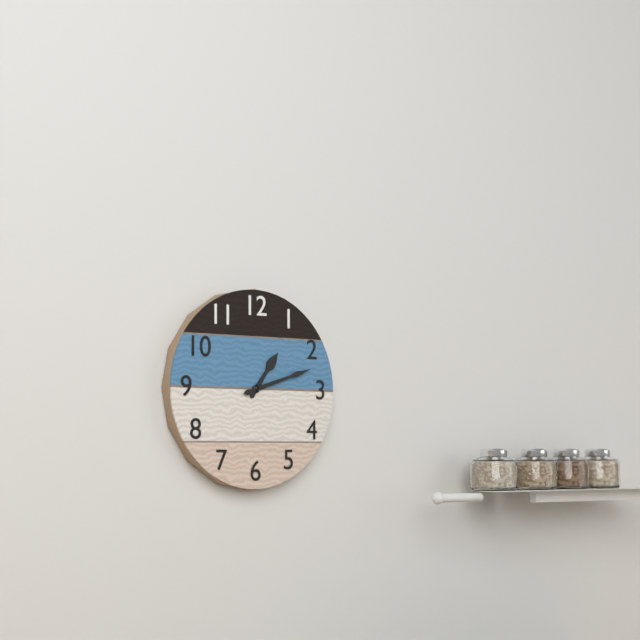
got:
1:12
